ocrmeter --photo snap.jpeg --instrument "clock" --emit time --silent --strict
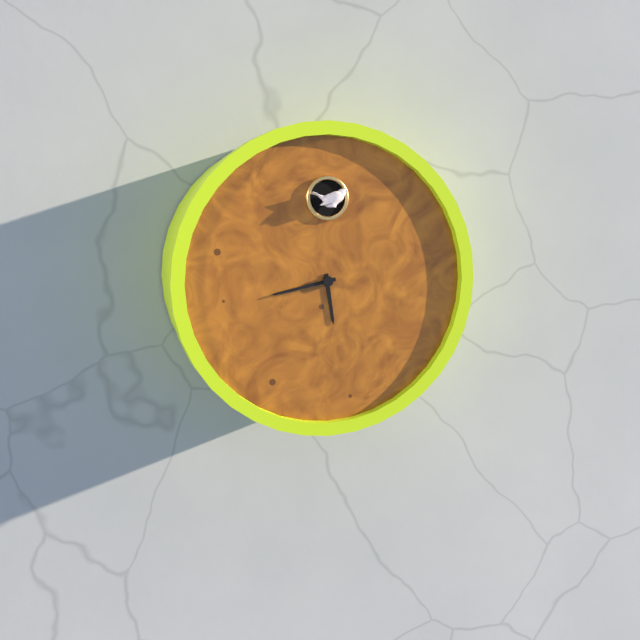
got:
5:43
